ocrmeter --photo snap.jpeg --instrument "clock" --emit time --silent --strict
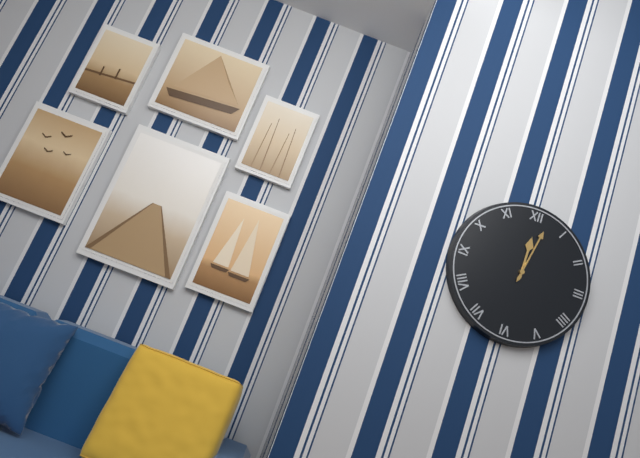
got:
12:02
